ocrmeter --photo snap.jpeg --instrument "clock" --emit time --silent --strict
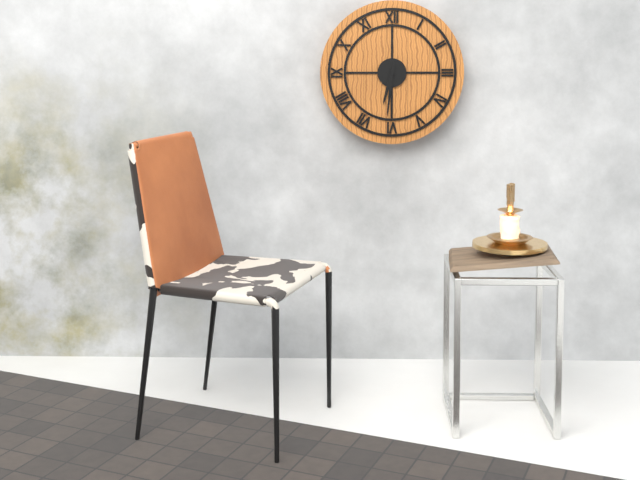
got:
6:31
